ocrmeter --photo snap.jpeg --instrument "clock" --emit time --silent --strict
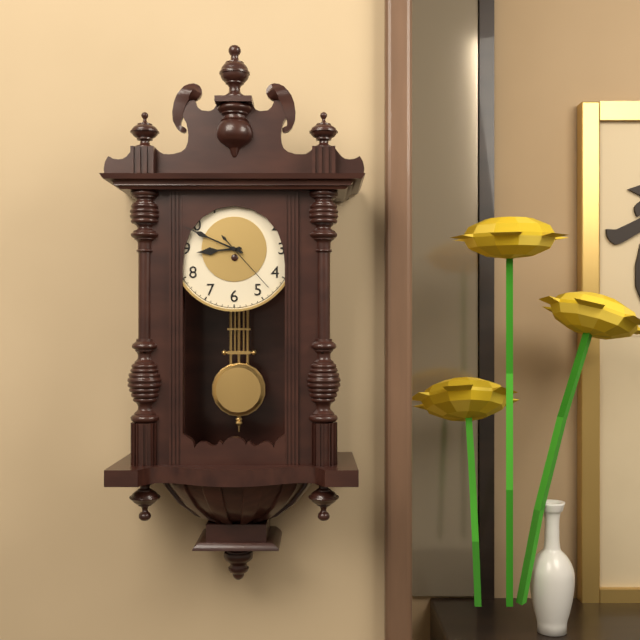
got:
8:49:23
